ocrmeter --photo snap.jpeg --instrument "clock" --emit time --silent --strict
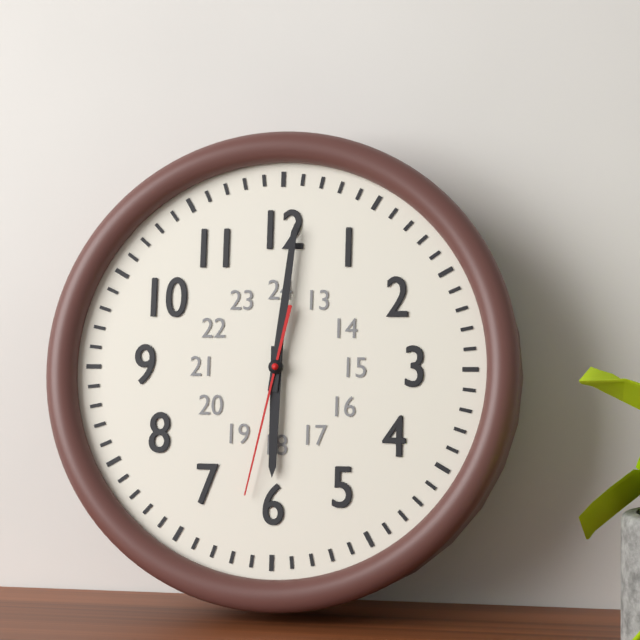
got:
6:01:32
